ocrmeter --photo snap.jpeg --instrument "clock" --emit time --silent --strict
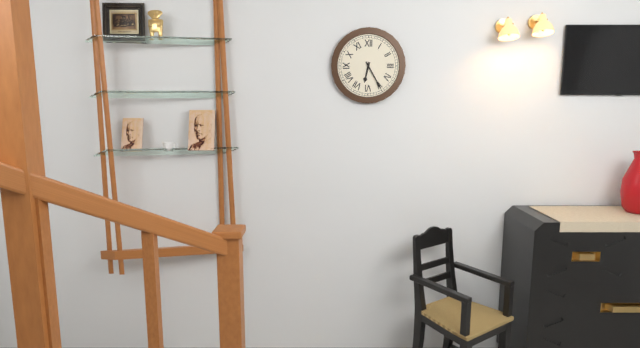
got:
6:25
